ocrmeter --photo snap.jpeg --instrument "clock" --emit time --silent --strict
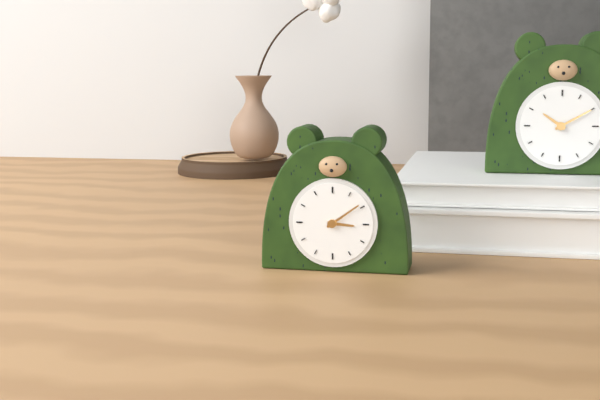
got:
3:09
